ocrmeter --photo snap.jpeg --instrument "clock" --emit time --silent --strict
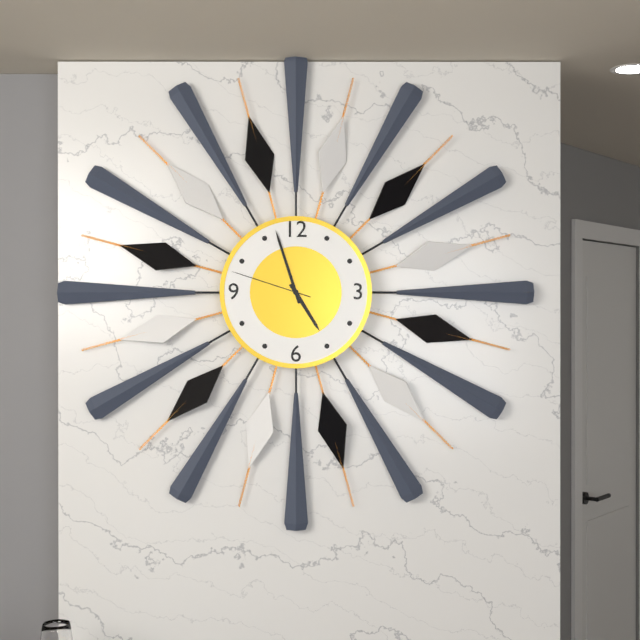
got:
4:57:48
